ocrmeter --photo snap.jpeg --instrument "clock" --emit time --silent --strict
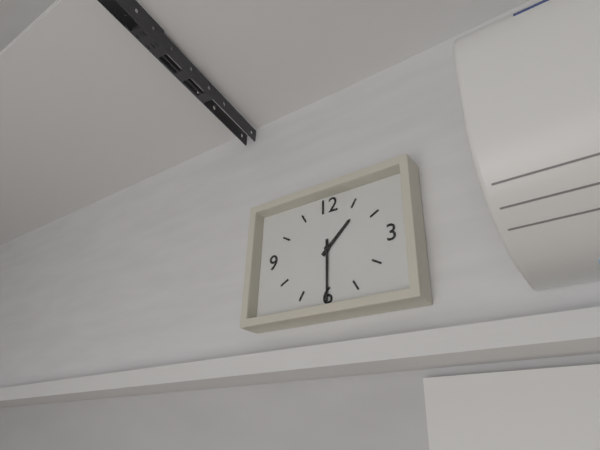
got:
1:30
